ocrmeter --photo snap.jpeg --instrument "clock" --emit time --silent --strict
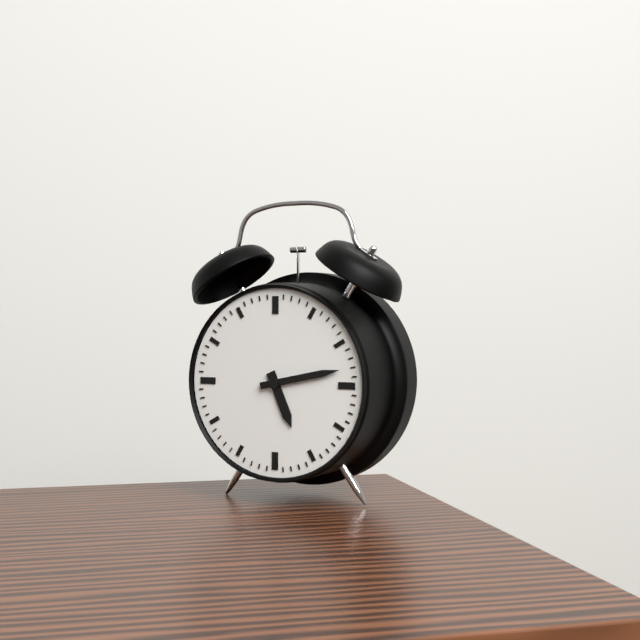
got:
5:13
